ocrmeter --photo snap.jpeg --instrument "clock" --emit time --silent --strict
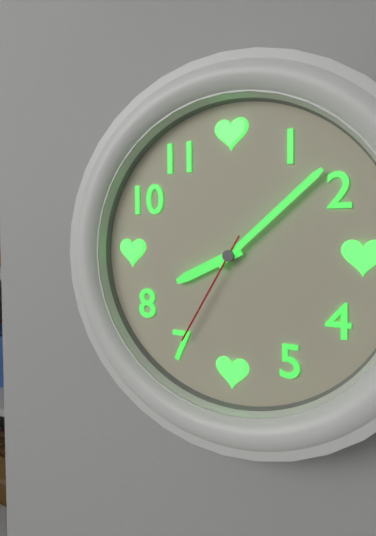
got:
8:08:35
